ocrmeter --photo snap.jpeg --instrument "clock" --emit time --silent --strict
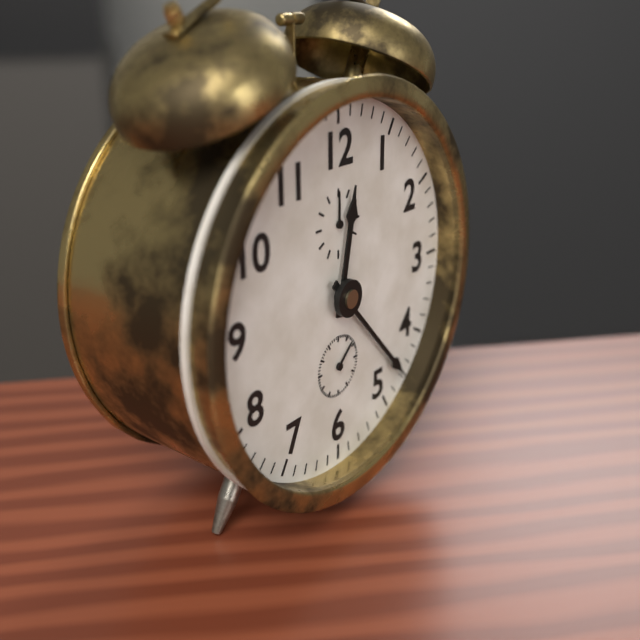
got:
12:23
